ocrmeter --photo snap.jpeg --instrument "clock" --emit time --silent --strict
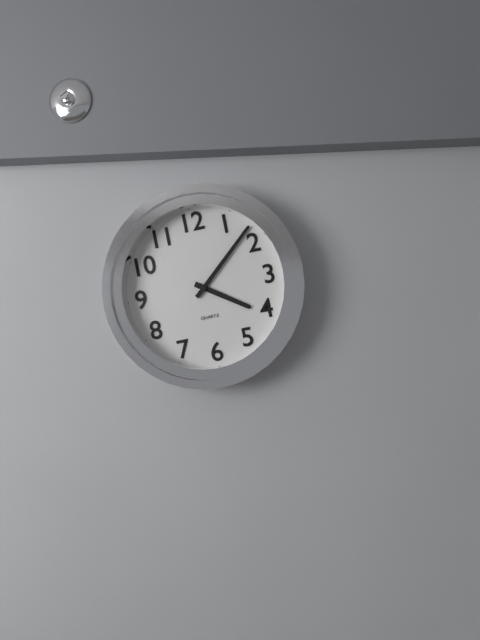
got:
4:08
